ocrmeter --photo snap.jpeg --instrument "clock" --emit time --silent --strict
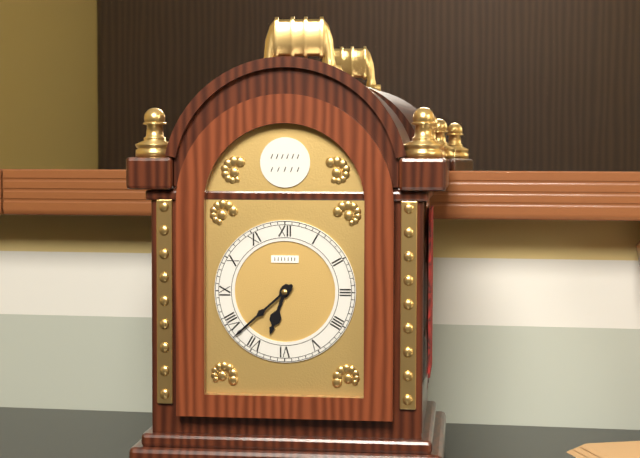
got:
6:38
